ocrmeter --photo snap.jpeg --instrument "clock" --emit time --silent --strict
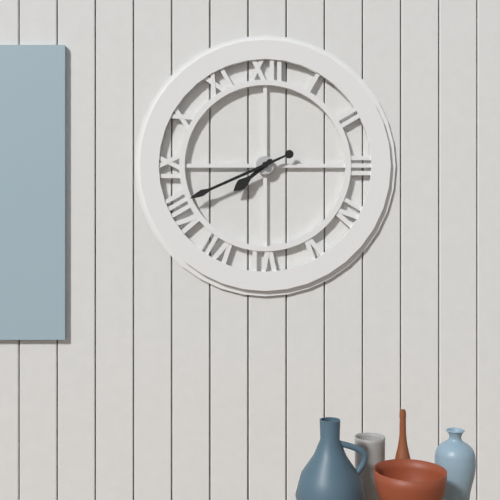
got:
7:41
